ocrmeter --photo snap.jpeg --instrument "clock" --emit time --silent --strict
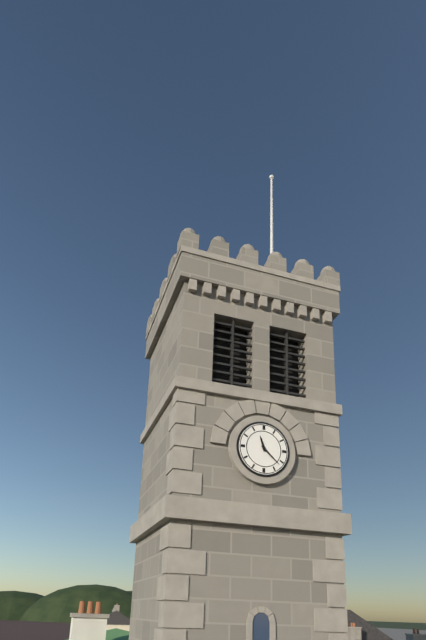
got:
11:22
